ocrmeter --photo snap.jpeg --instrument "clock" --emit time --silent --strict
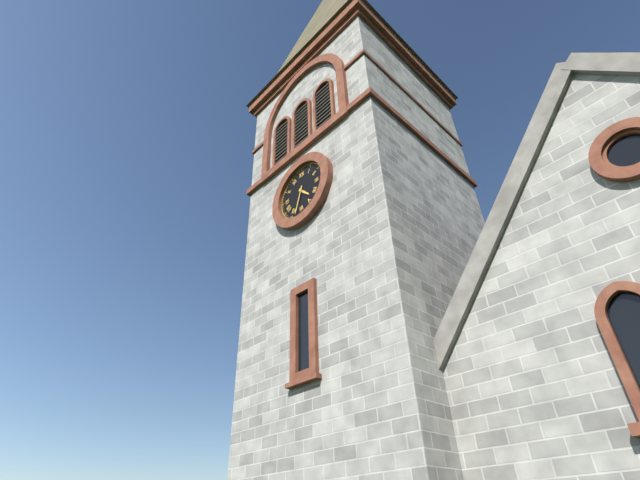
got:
4:33
